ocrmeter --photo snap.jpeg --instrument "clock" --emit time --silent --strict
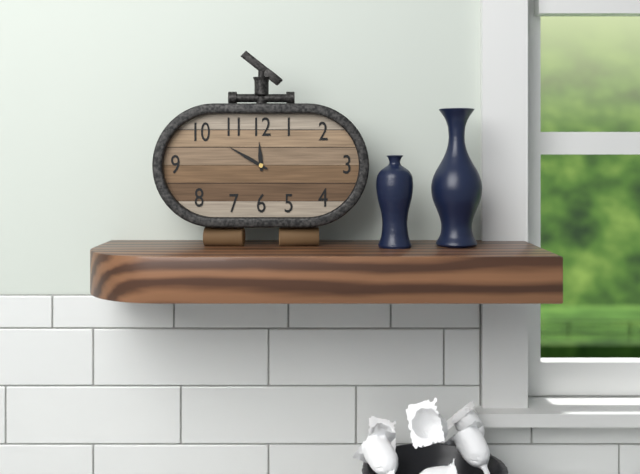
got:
11:50
